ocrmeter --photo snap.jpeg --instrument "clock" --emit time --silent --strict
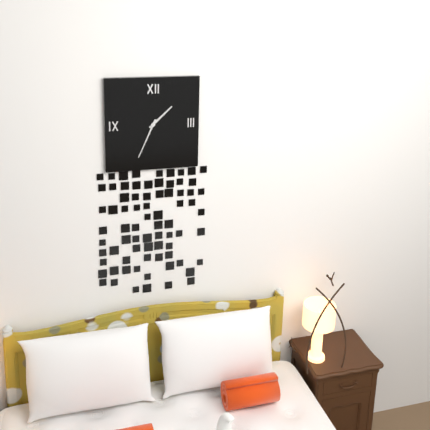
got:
1:34
